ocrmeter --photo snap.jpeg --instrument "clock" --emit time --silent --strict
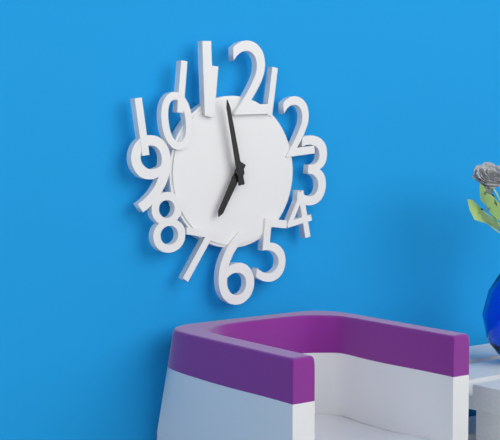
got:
6:58
